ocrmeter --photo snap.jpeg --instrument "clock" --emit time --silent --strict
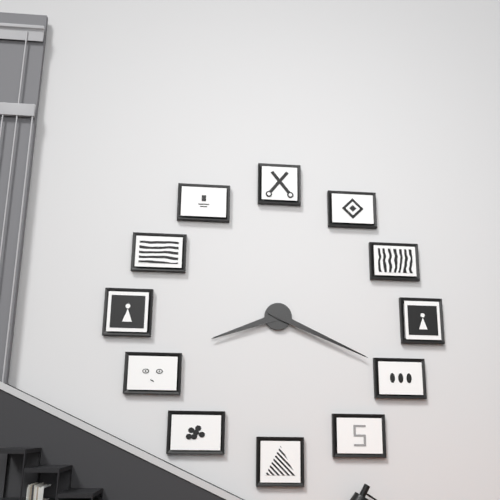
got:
8:19
